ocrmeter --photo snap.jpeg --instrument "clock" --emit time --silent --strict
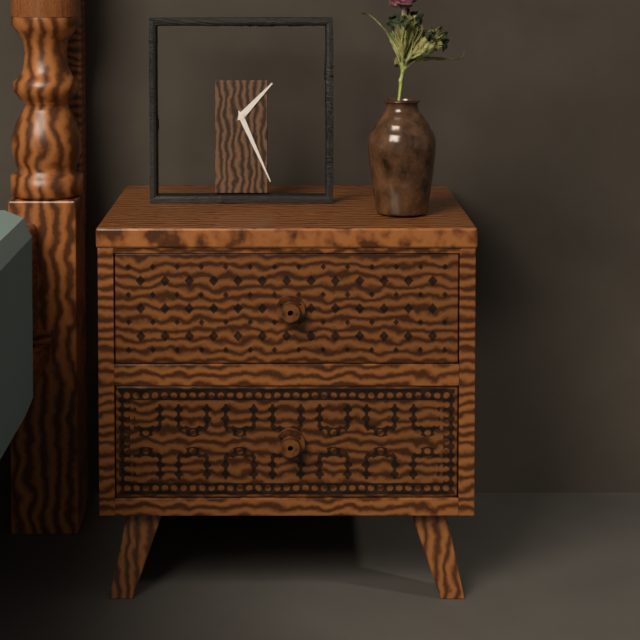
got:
1:26
